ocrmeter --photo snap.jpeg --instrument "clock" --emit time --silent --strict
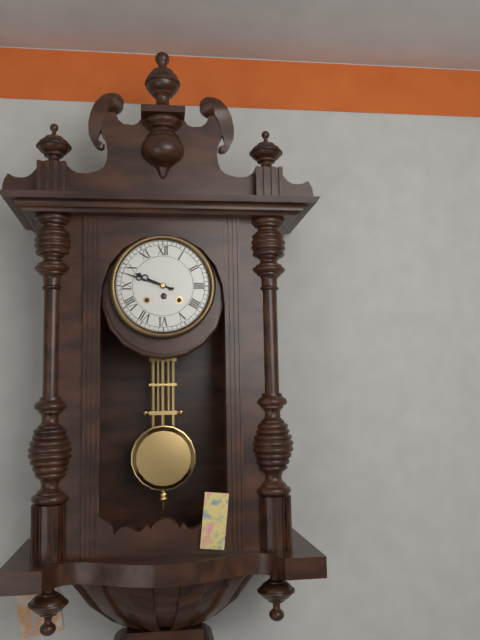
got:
9:48
